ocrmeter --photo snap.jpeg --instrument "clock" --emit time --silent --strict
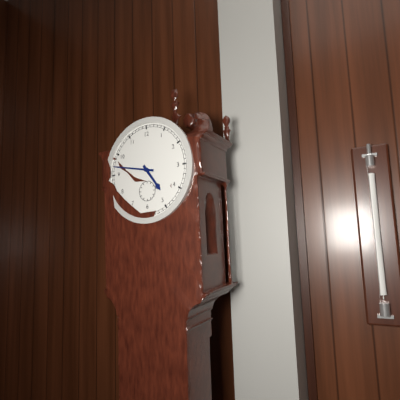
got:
4:47
